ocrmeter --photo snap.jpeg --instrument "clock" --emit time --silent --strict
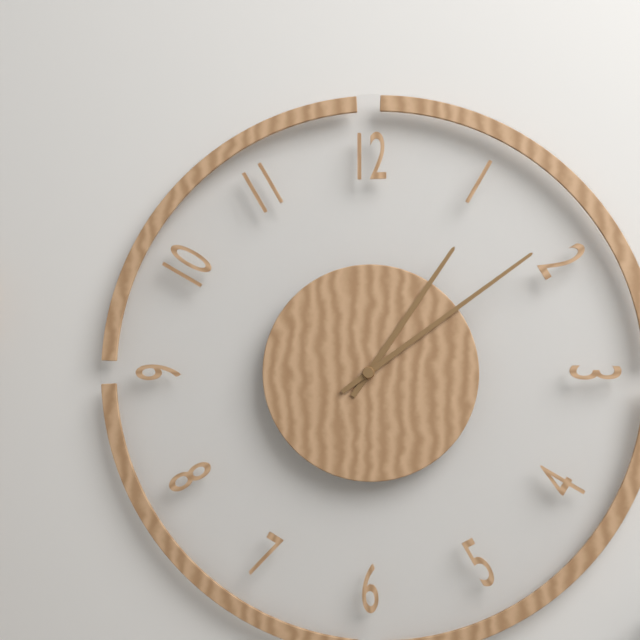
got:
1:09
